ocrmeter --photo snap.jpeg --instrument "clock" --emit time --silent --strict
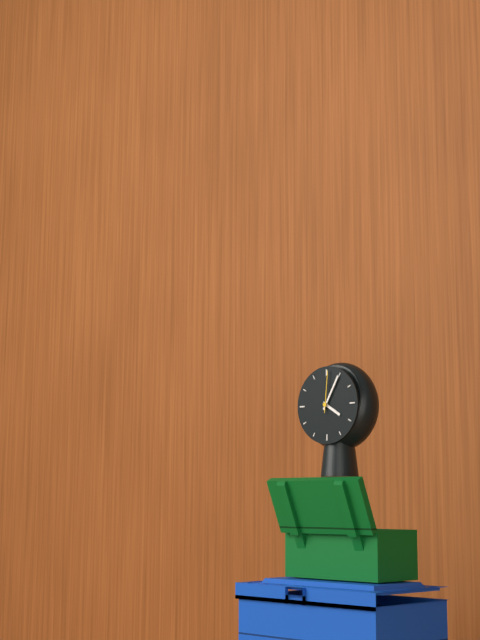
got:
4:05
